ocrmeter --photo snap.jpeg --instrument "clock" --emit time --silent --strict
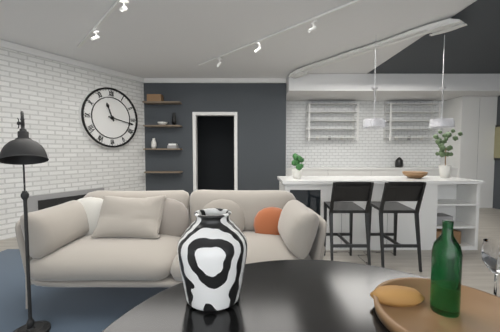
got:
11:17
